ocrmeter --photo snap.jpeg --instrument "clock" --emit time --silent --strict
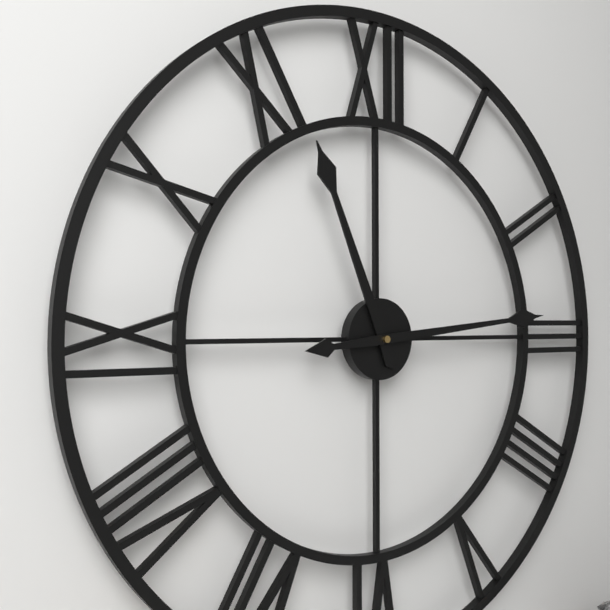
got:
11:14
